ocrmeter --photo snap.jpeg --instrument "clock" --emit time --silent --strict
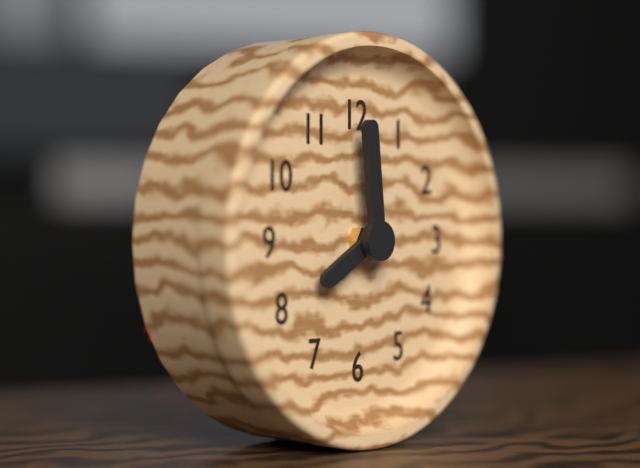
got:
7:59
